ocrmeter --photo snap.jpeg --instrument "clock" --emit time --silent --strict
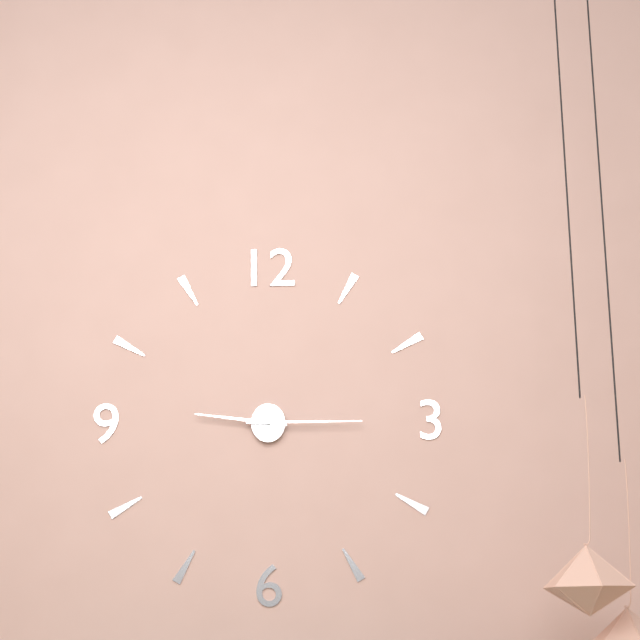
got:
9:15
